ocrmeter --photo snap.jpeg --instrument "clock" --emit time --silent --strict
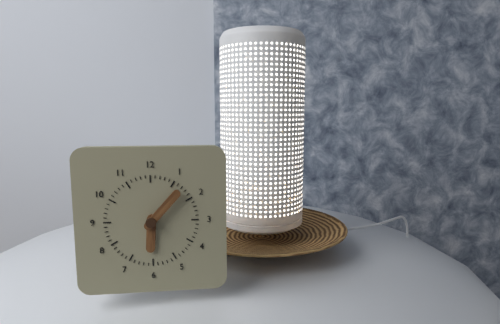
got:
6:07
